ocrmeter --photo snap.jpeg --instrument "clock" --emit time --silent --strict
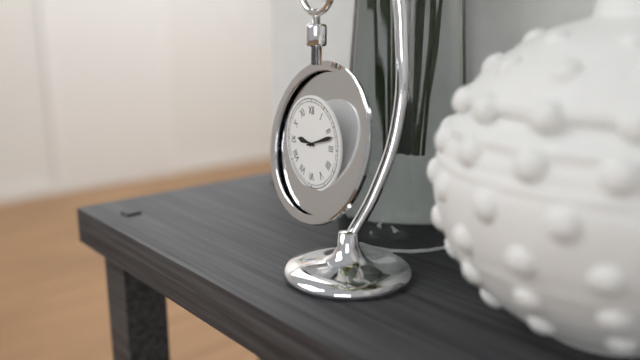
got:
9:12
